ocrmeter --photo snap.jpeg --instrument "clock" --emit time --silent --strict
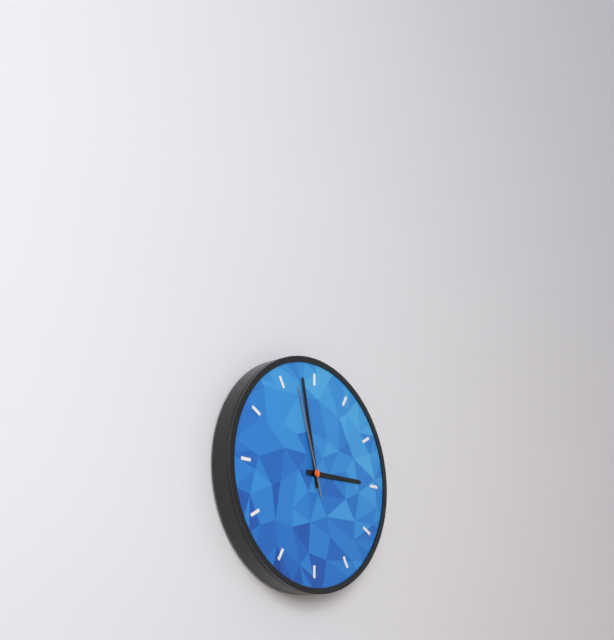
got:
2:58:57
